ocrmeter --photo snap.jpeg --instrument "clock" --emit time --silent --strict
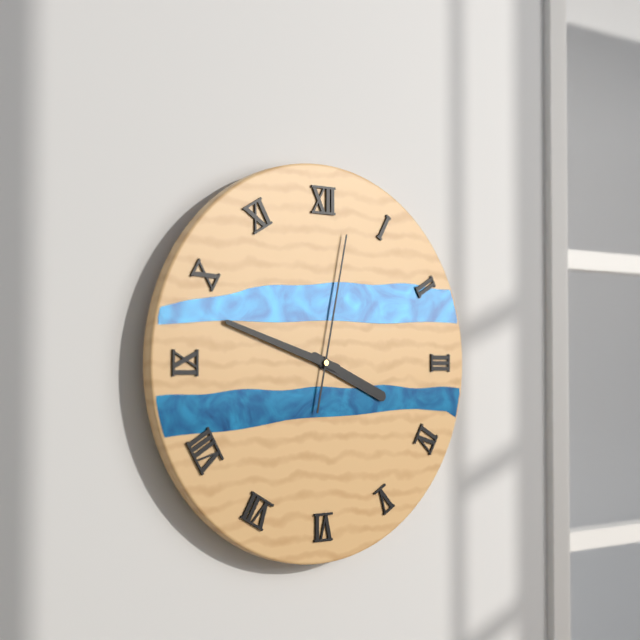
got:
3:48:02
